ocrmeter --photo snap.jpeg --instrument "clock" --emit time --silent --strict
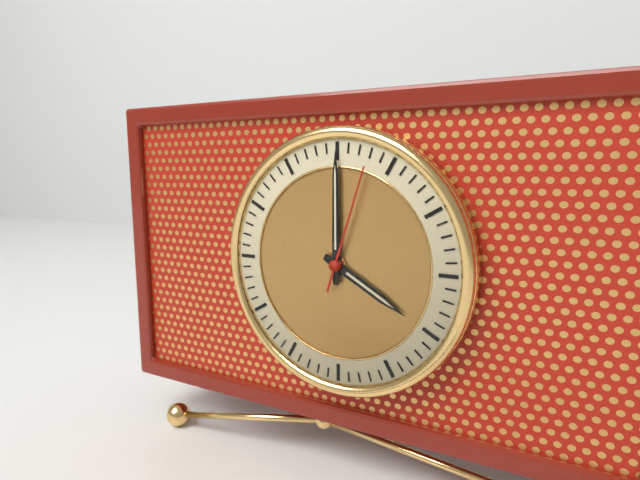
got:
4:00:03
